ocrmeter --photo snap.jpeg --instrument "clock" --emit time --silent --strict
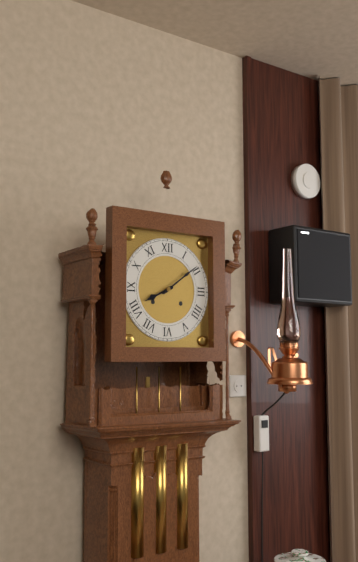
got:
8:09
